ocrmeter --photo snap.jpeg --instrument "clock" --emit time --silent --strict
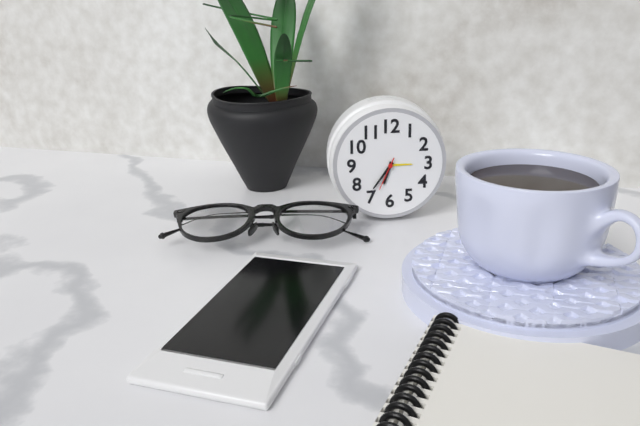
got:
6:36
